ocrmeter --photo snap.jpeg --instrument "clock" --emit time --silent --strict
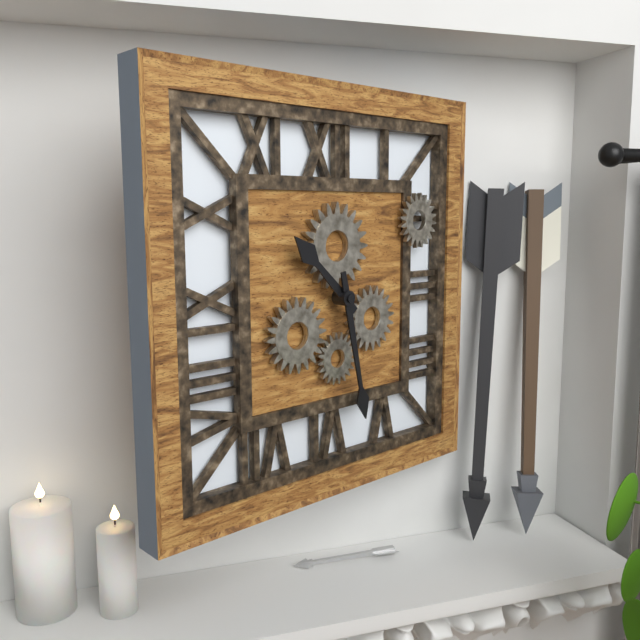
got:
10:28
